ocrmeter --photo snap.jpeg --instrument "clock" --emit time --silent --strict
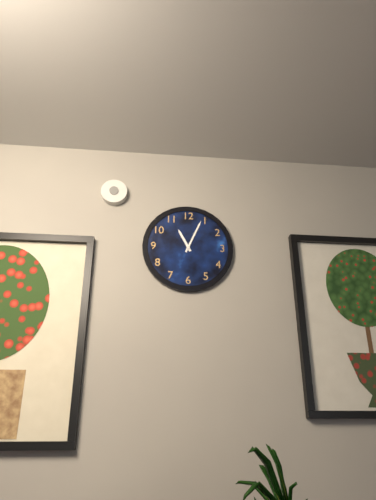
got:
11:04
